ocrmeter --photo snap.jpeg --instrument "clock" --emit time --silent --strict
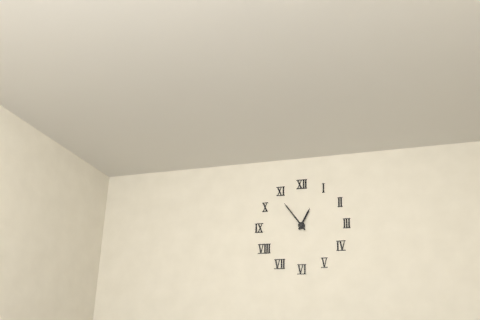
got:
12:54
